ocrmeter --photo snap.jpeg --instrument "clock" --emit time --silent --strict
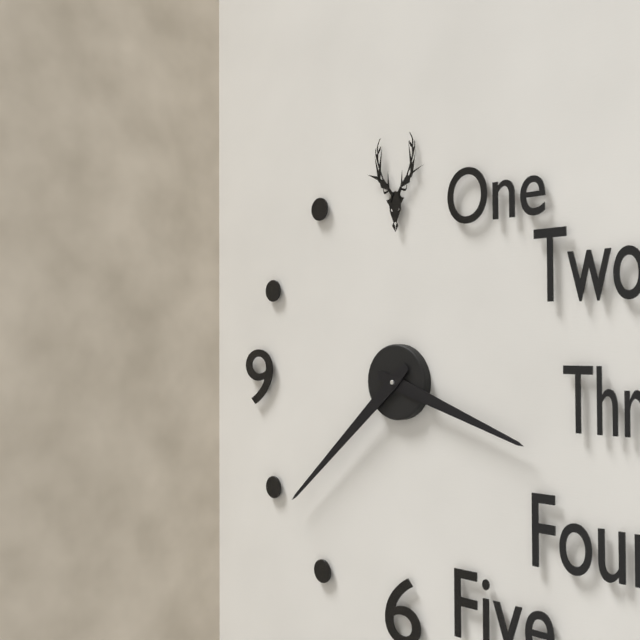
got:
3:38
